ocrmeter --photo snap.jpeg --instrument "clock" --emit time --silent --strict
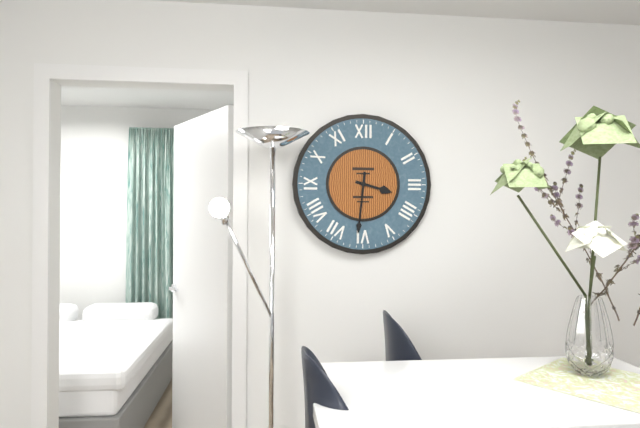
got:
3:31
